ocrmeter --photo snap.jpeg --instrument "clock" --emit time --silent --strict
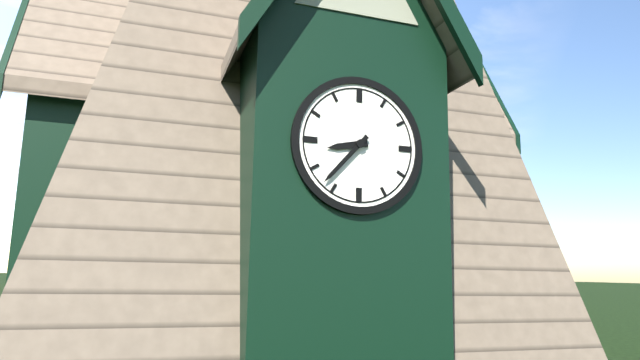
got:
8:37
